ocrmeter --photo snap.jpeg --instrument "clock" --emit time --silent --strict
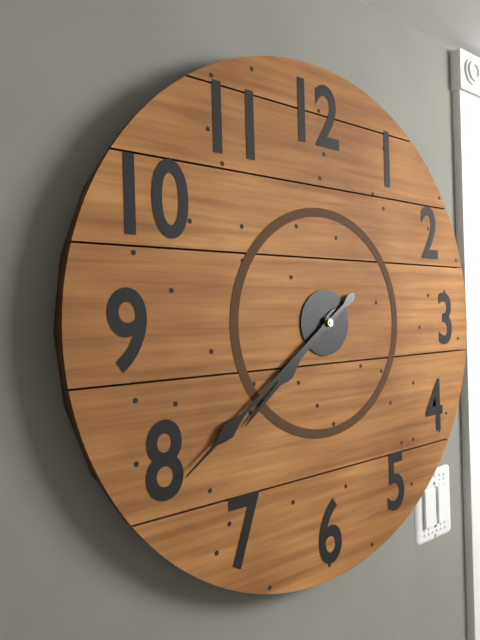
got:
7:39
